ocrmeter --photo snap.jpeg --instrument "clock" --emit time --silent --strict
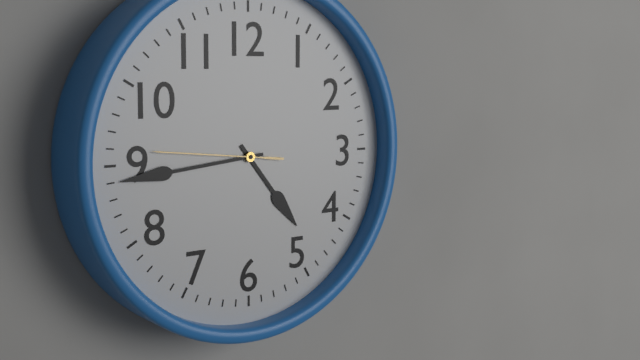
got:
4:44:46
